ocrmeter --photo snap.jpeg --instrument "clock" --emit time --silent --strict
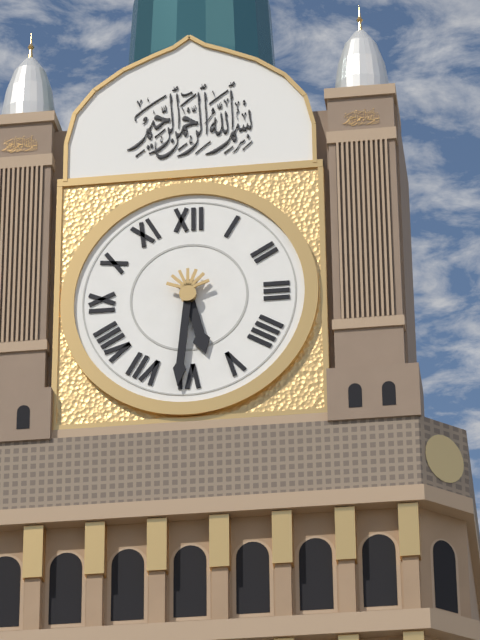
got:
5:31
